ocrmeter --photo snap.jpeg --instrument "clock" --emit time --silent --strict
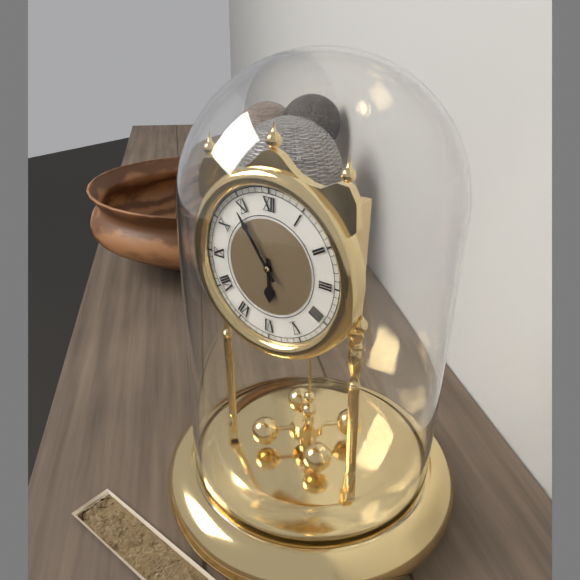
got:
5:54
